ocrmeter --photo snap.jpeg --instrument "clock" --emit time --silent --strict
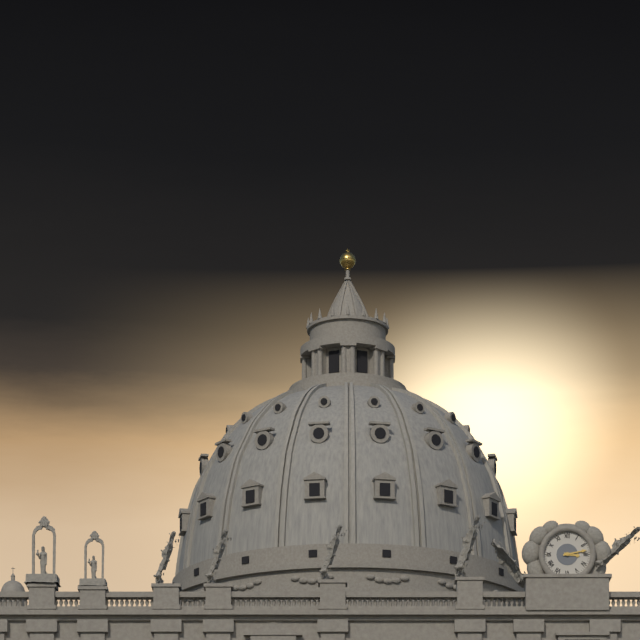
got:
3:13
